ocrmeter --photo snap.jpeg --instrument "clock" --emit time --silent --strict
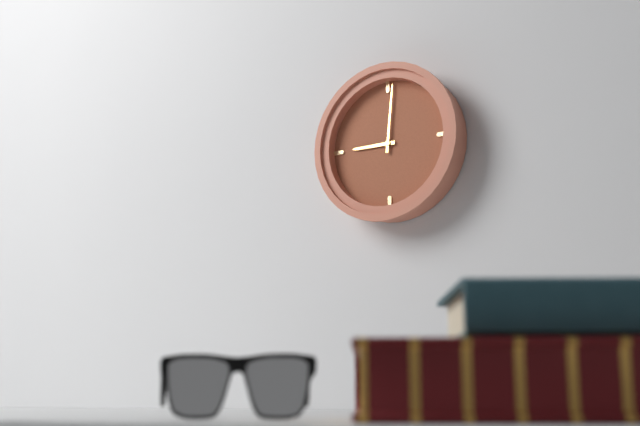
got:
9:01
